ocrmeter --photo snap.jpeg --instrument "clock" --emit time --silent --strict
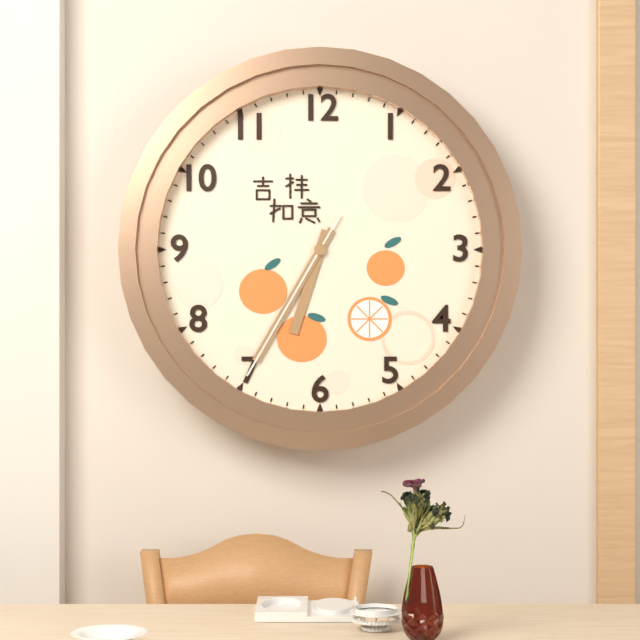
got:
6:35:35
